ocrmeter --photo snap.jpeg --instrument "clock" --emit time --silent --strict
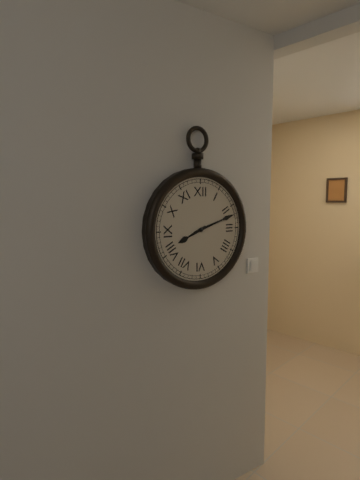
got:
8:12
